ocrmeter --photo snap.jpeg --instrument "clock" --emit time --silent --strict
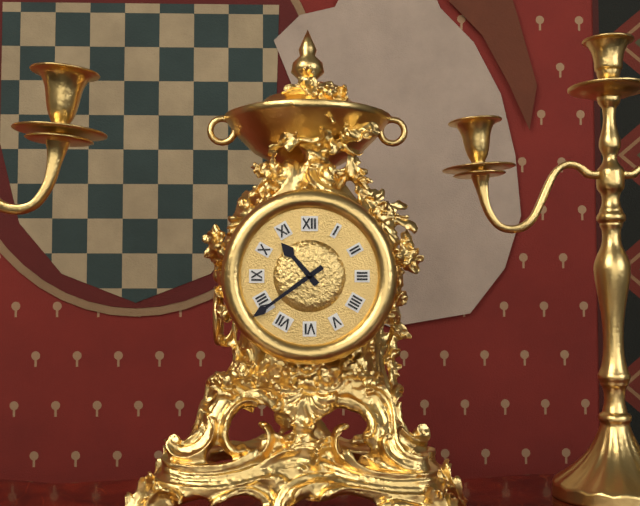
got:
10:39
